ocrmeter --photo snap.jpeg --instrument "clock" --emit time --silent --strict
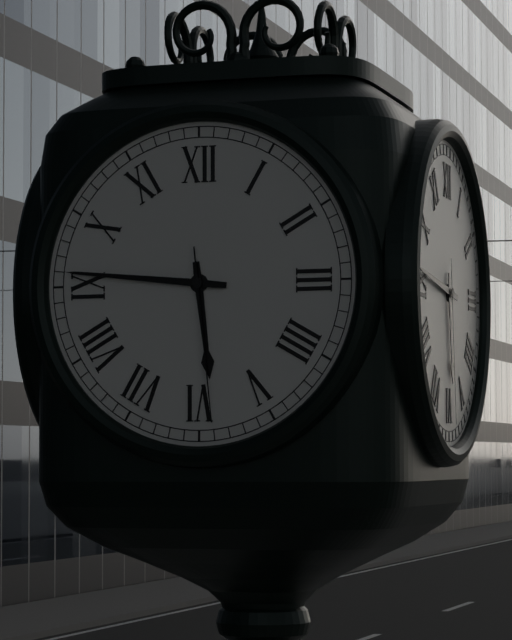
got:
5:46:29
